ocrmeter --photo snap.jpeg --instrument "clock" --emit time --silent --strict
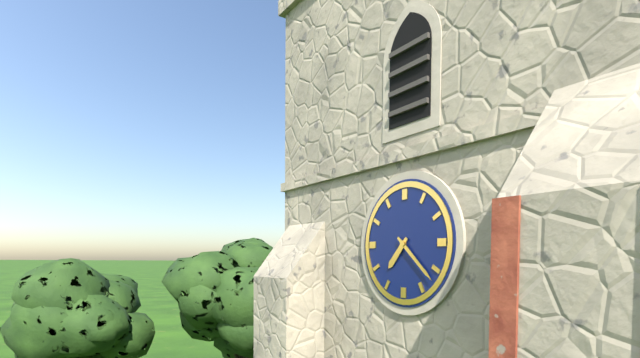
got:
7:22
